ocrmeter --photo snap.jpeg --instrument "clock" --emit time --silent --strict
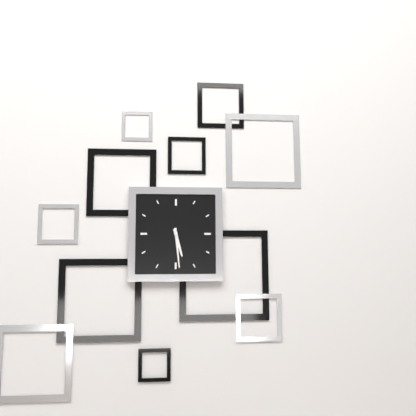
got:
5:29
